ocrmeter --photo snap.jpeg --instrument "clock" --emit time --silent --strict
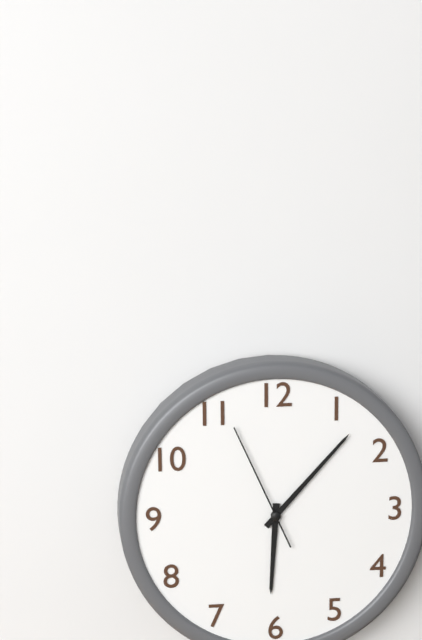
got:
6:07:56
